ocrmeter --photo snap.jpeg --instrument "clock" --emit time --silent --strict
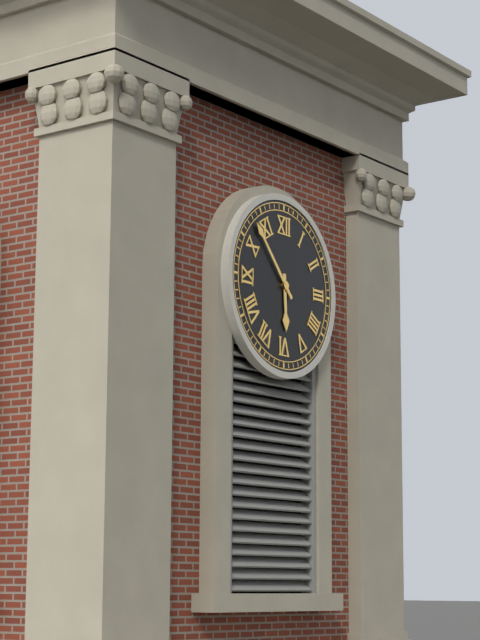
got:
5:53
